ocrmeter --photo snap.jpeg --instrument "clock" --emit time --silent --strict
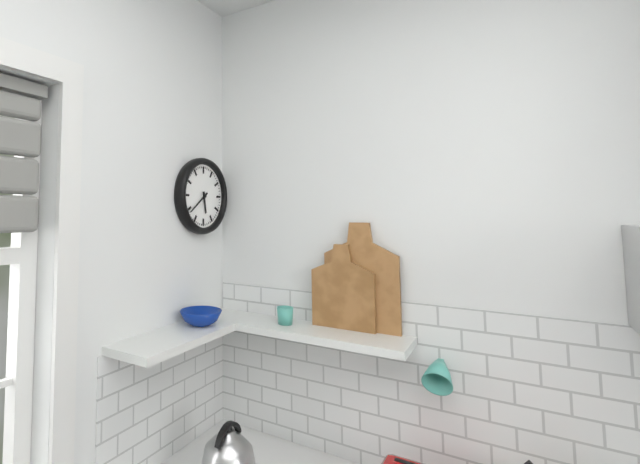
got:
5:39
